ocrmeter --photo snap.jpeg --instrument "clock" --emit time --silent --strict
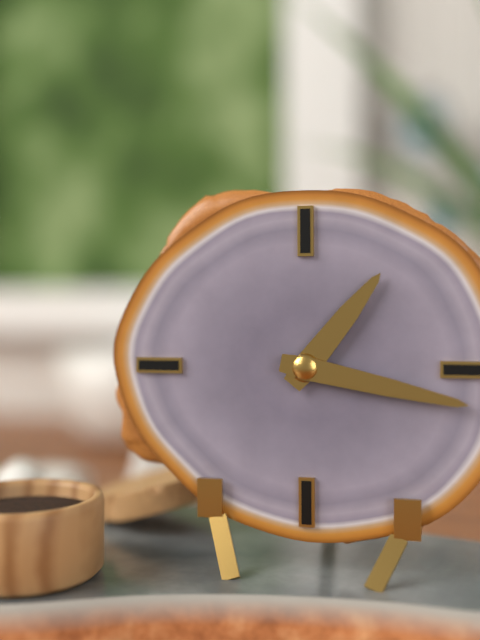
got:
1:17
